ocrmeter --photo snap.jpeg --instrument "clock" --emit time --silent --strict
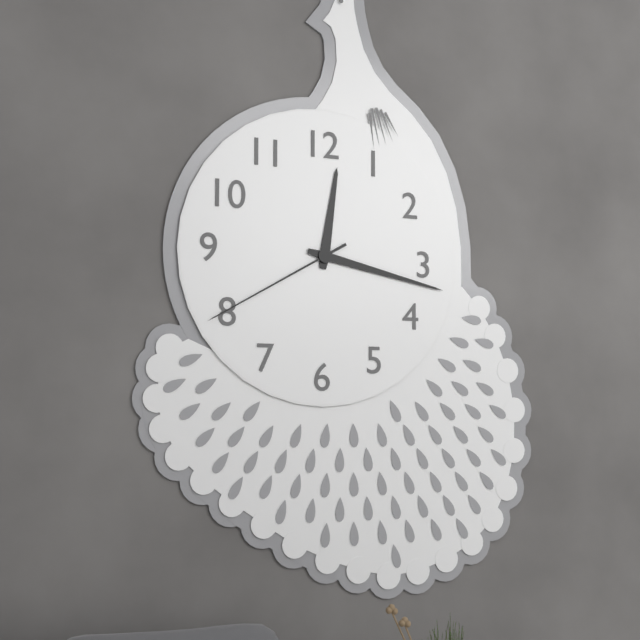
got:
12:17:40
